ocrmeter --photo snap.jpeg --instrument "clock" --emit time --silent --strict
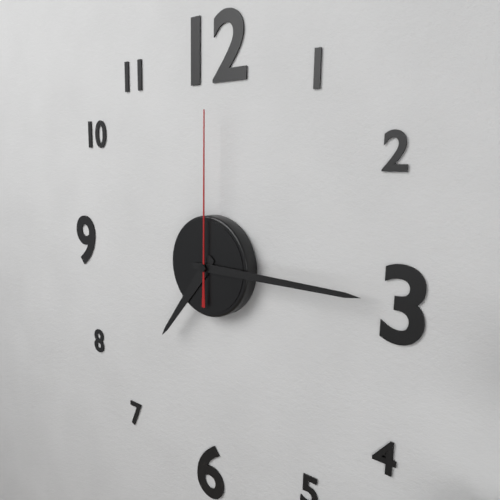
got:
7:15:00
